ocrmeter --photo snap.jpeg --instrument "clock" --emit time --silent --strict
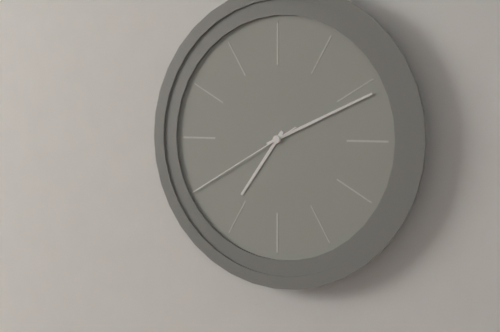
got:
7:11:40
